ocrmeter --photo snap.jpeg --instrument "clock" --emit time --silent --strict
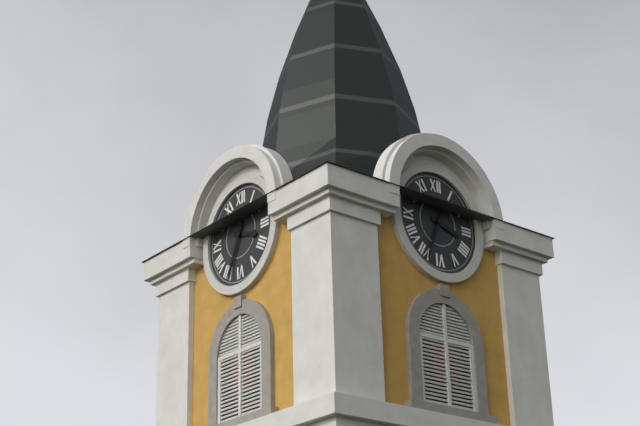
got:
3:34
